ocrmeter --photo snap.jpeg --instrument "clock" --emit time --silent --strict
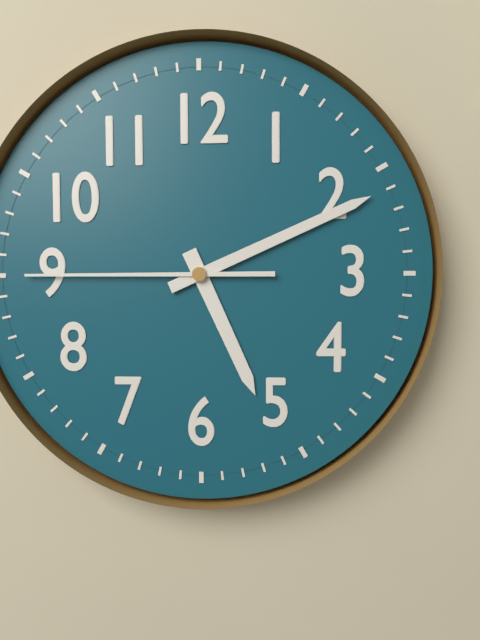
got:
5:11:45
